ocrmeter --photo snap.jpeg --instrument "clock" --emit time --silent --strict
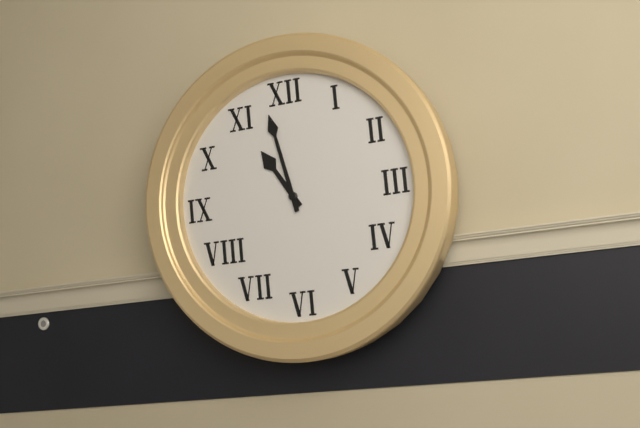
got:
10:58
